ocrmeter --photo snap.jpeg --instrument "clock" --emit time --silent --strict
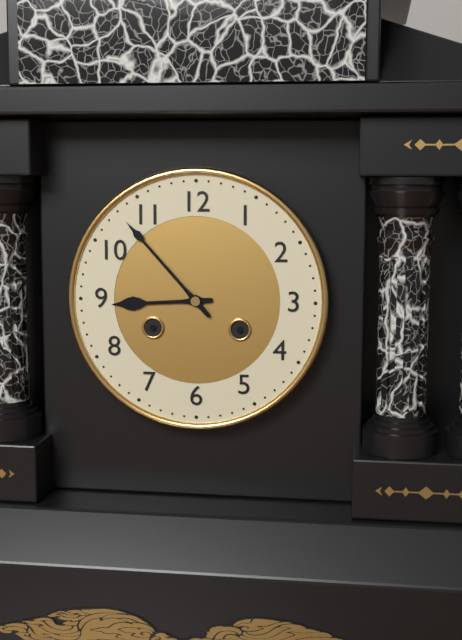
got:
8:53
